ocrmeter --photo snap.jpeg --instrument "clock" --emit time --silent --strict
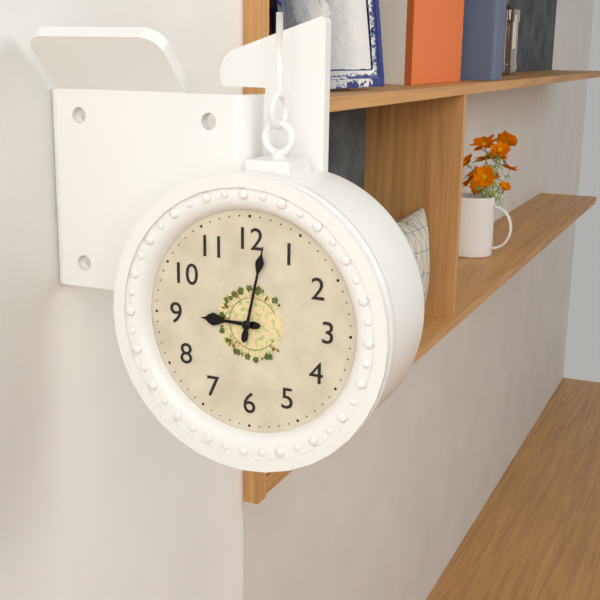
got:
9:02
